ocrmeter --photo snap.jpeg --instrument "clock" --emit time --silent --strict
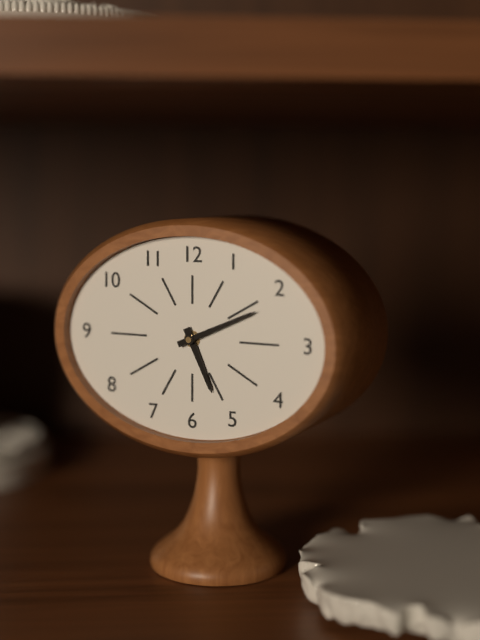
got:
5:11
